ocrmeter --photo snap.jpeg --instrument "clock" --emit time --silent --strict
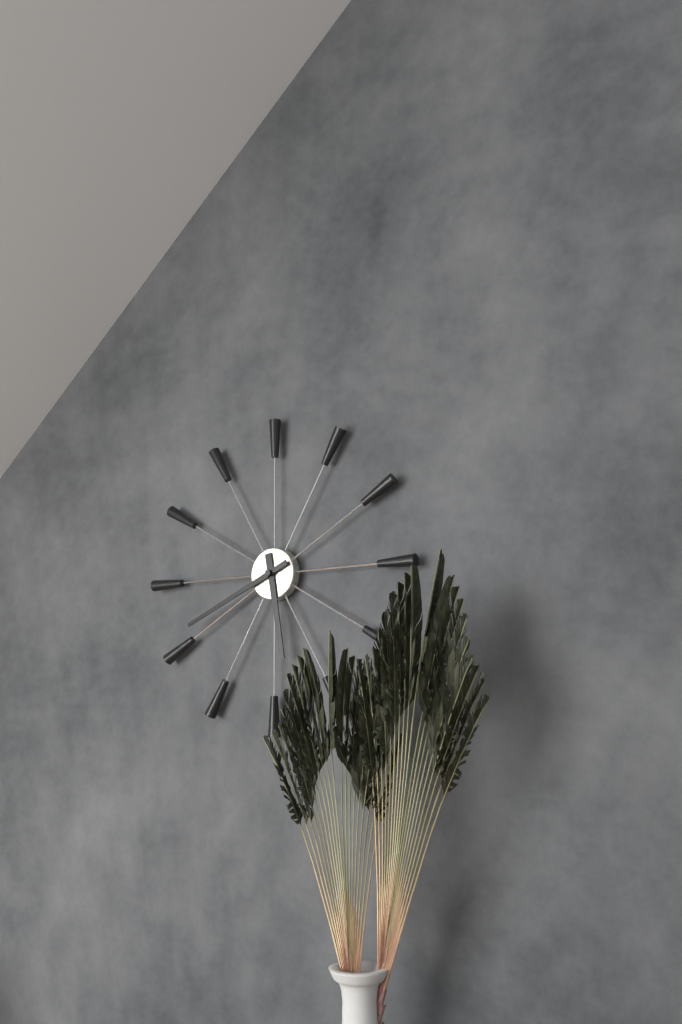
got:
5:41
